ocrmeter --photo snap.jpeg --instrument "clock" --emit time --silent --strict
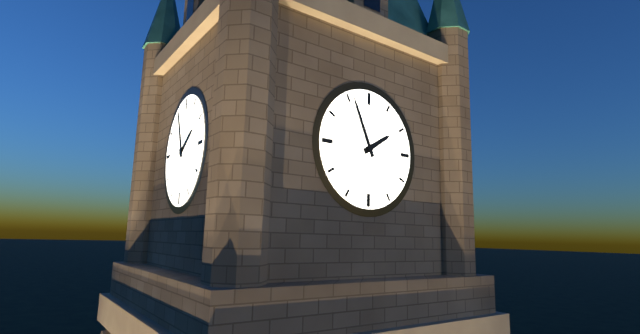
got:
1:56
